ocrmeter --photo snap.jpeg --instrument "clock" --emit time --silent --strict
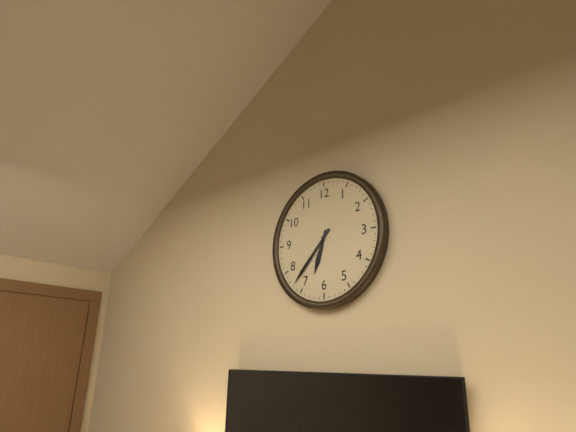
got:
6:37
